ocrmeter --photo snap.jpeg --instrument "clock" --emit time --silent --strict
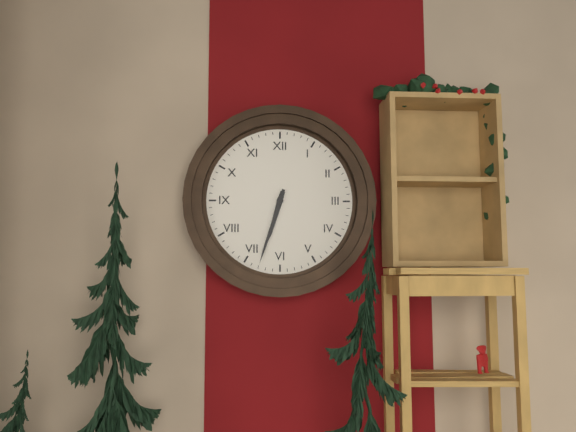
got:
6:33
